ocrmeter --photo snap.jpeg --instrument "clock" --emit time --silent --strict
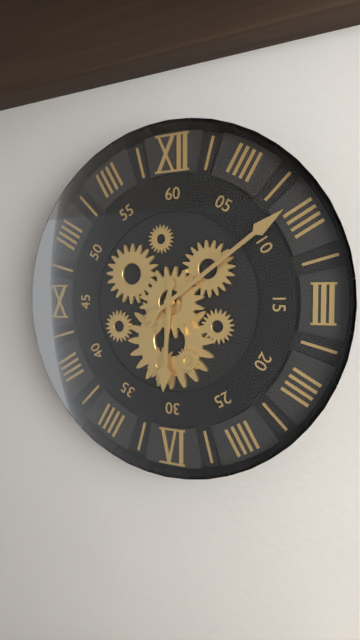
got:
6:09
